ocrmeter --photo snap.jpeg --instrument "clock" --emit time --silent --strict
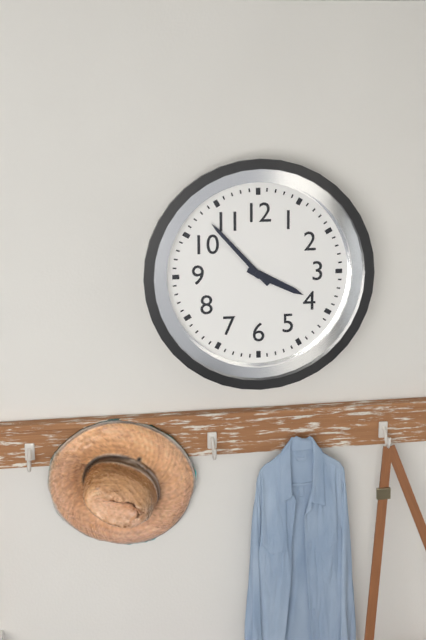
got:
3:53
